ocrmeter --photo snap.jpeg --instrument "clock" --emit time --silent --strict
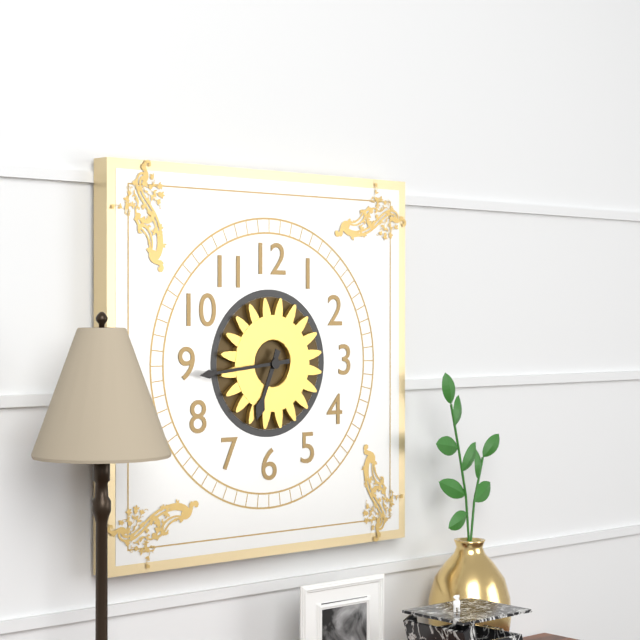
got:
6:44
